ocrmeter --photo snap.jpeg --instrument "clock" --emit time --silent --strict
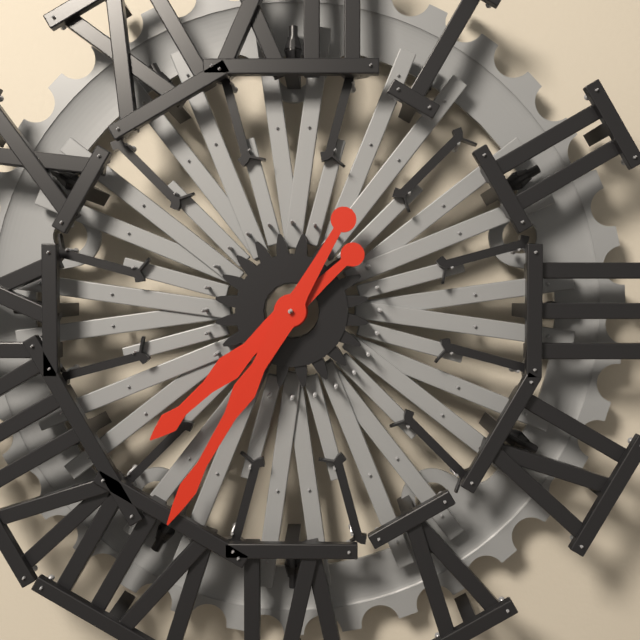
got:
7:35
